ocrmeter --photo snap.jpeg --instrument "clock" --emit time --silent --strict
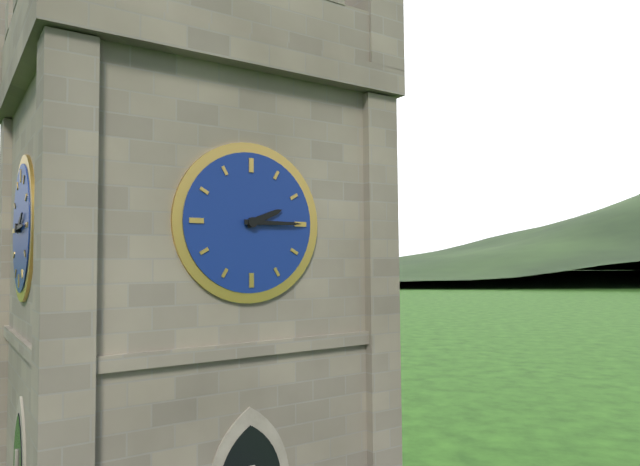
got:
2:15
